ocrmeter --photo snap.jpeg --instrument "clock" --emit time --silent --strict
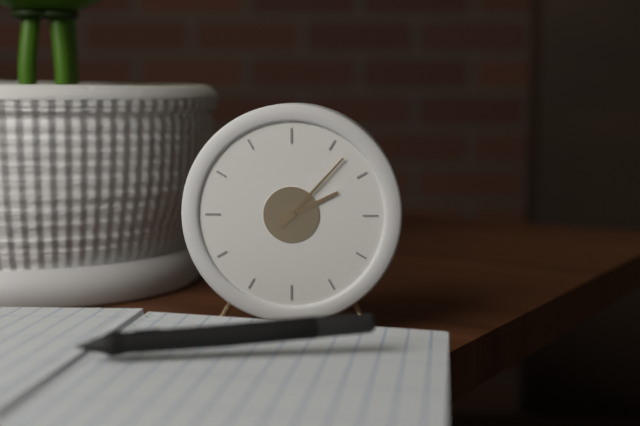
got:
2:07
